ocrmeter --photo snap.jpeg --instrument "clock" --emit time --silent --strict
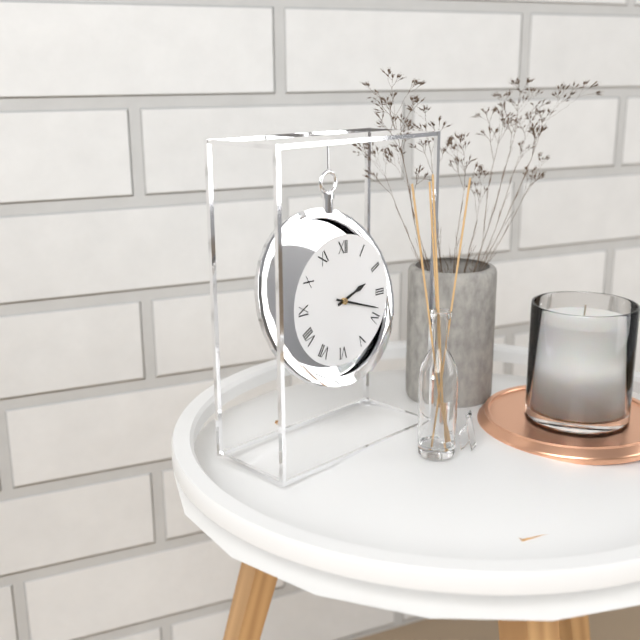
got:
2:18
